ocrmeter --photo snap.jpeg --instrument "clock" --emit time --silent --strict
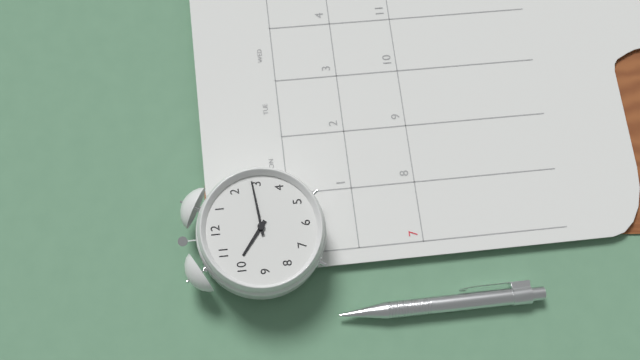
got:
10:14
